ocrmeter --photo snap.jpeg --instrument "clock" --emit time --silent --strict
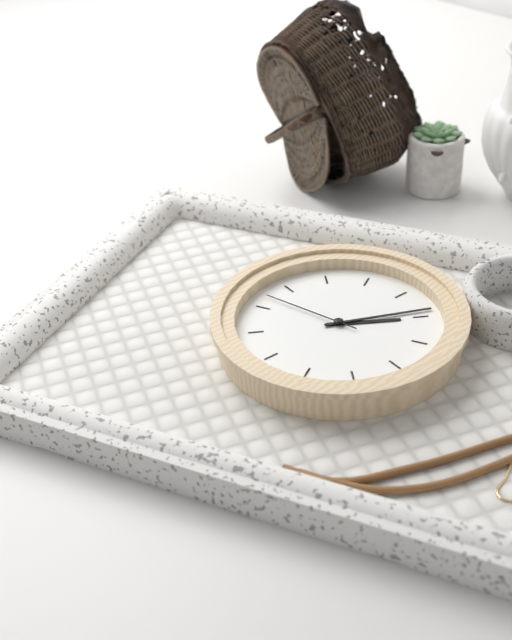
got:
1:04:42
